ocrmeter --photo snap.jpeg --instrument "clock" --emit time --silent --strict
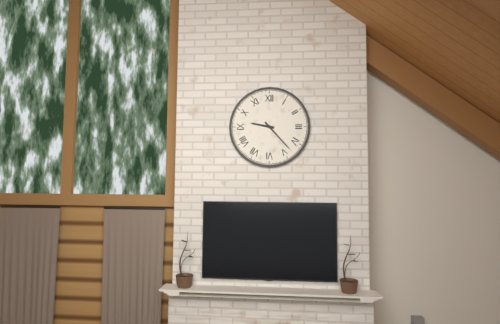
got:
9:23
